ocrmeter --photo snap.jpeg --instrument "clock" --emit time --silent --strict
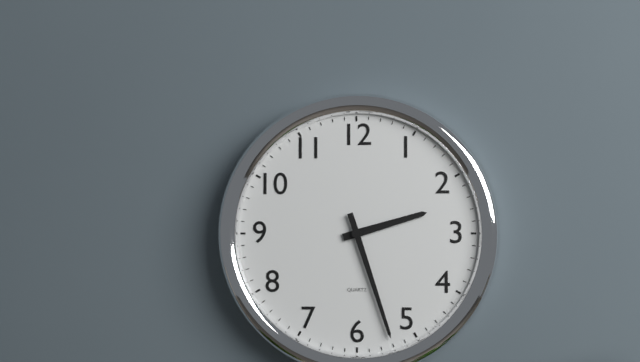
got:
2:27
